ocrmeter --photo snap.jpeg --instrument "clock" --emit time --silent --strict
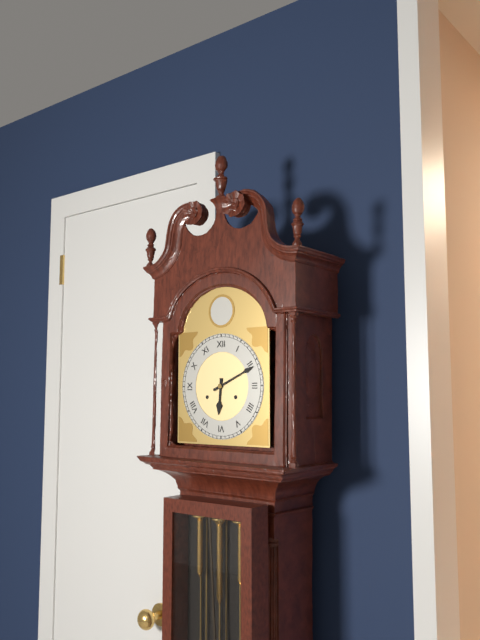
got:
6:11
